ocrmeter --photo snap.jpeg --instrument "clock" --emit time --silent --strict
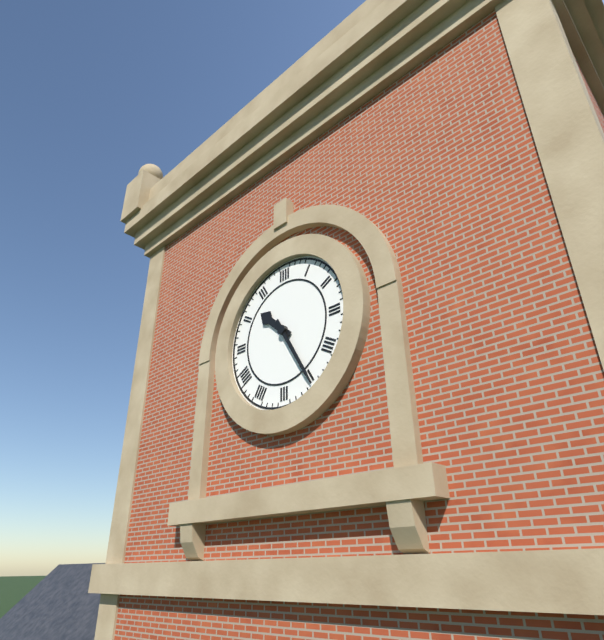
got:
10:25
